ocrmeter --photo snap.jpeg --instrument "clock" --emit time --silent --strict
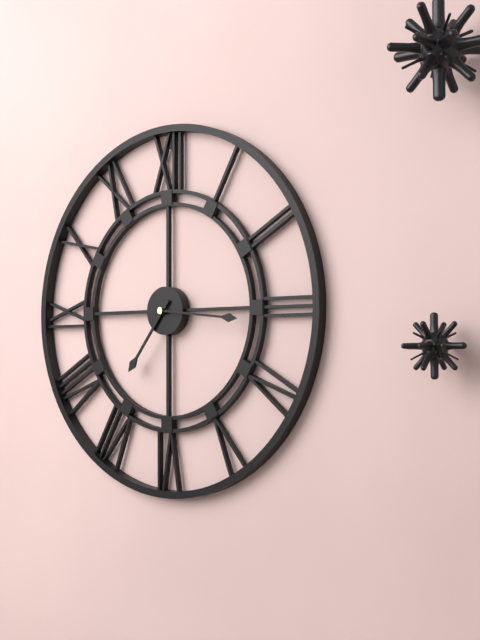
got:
7:16
